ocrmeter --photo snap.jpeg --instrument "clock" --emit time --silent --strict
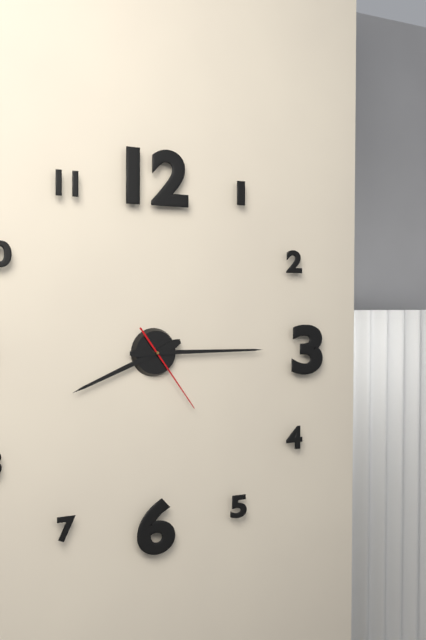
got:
8:15:24
